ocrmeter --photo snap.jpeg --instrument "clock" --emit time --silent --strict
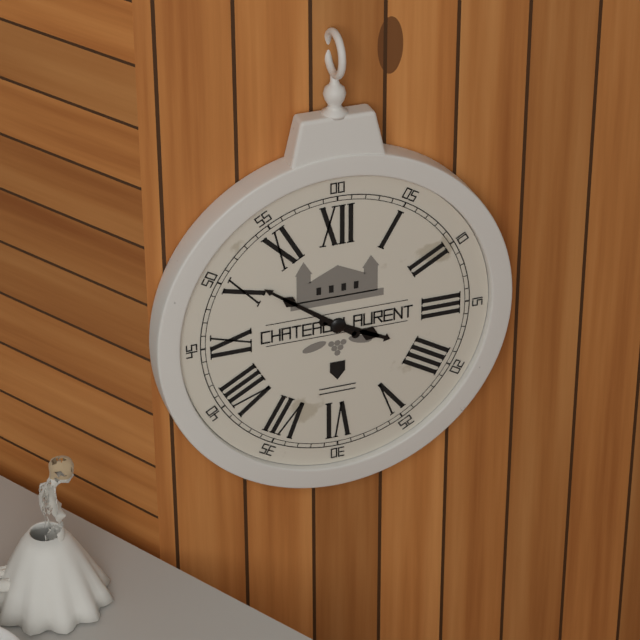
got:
3:51
